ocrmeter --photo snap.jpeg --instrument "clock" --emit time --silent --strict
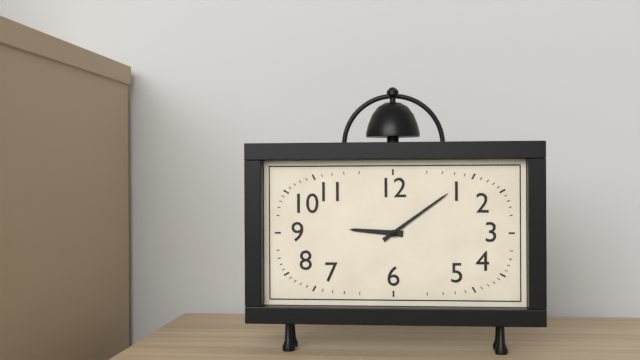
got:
9:09
